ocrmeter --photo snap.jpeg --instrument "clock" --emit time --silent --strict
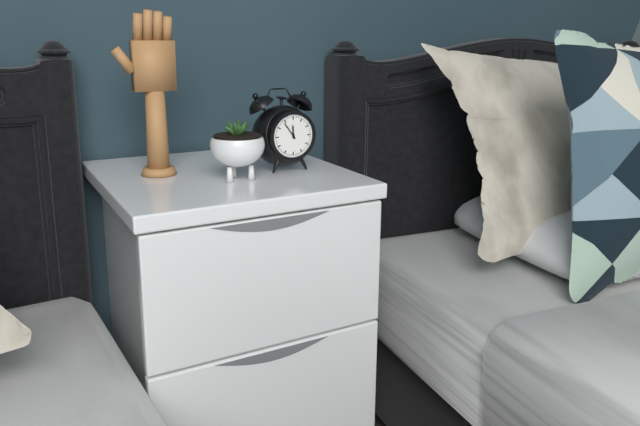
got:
11:54
